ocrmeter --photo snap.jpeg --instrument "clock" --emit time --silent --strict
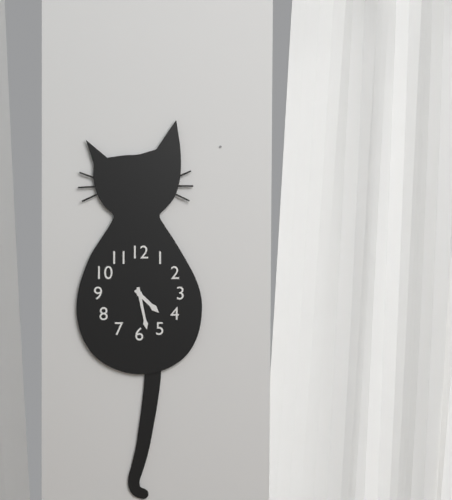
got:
4:28
